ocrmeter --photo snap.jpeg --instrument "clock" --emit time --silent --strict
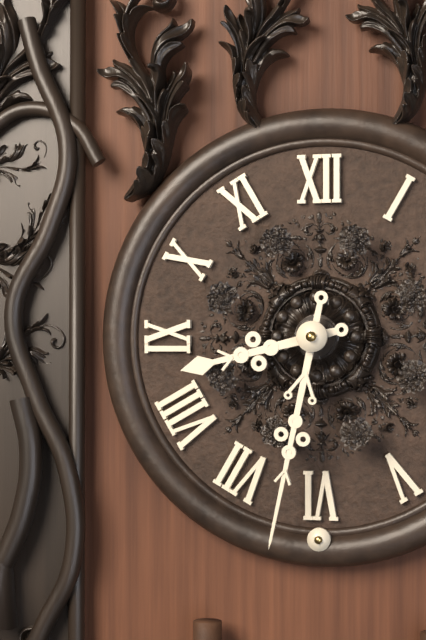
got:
8:32
